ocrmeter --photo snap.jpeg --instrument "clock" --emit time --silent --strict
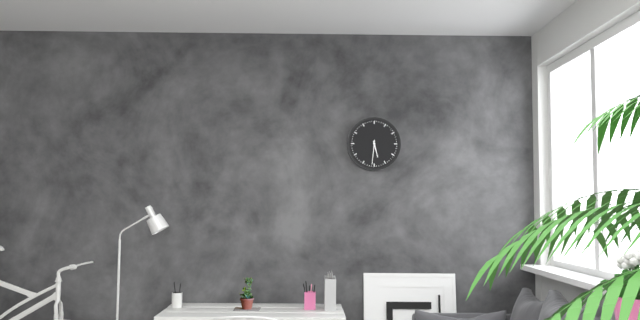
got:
5:31
